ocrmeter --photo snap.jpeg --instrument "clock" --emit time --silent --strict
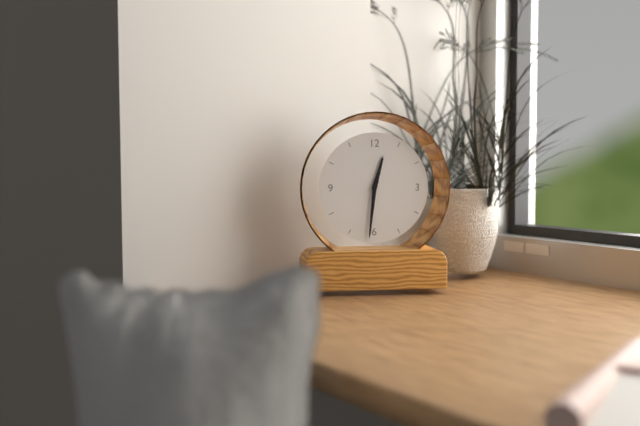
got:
12:31
